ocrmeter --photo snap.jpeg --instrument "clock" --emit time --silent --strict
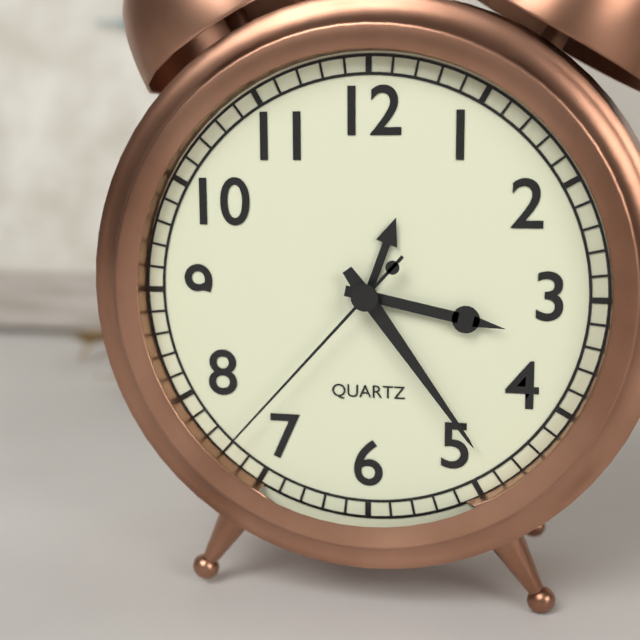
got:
3:24:37
